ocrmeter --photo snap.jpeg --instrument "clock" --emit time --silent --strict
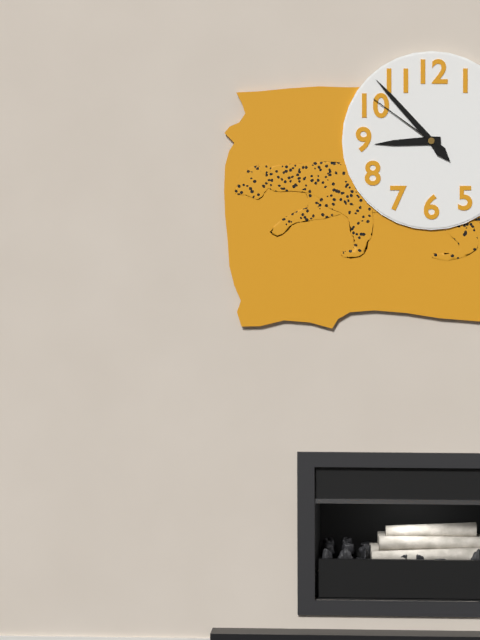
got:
8:53:51
